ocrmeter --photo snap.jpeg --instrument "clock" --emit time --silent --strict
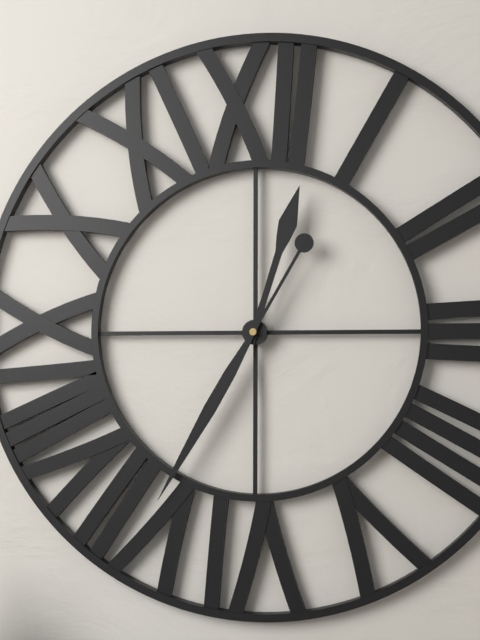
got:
12:35
